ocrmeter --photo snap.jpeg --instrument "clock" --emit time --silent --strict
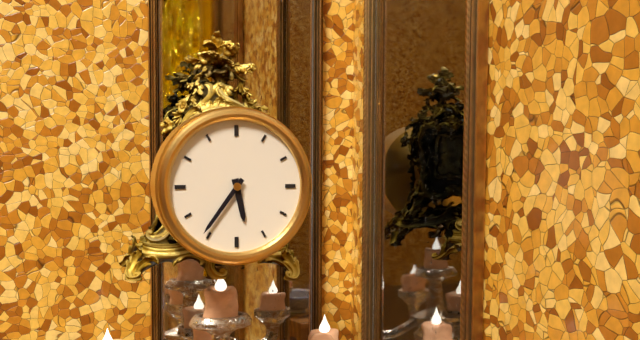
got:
5:36
